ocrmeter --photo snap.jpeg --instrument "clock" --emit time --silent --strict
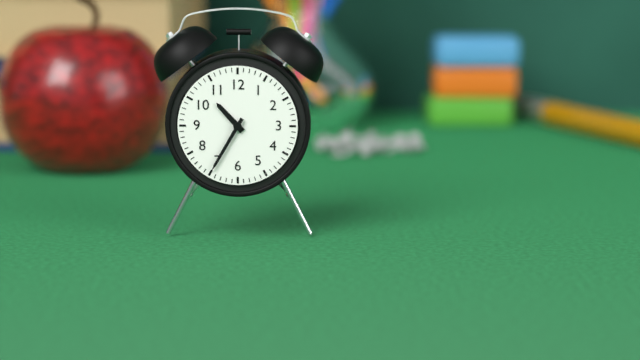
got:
10:35
